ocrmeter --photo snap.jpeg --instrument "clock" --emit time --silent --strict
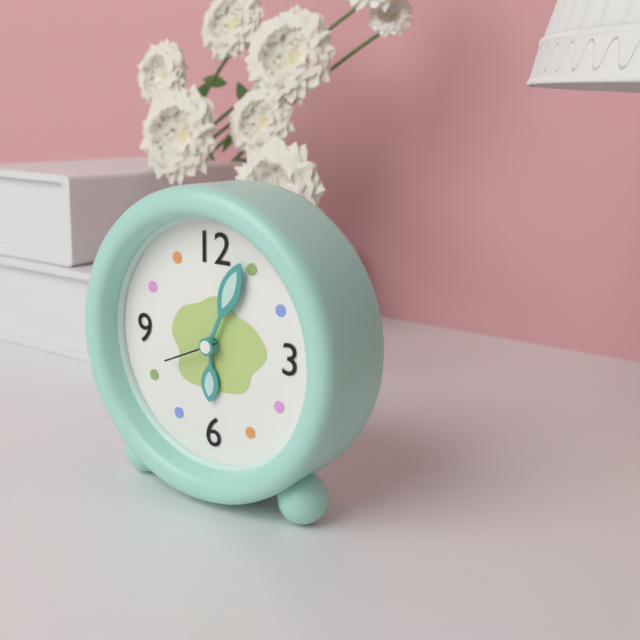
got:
6:04:41
